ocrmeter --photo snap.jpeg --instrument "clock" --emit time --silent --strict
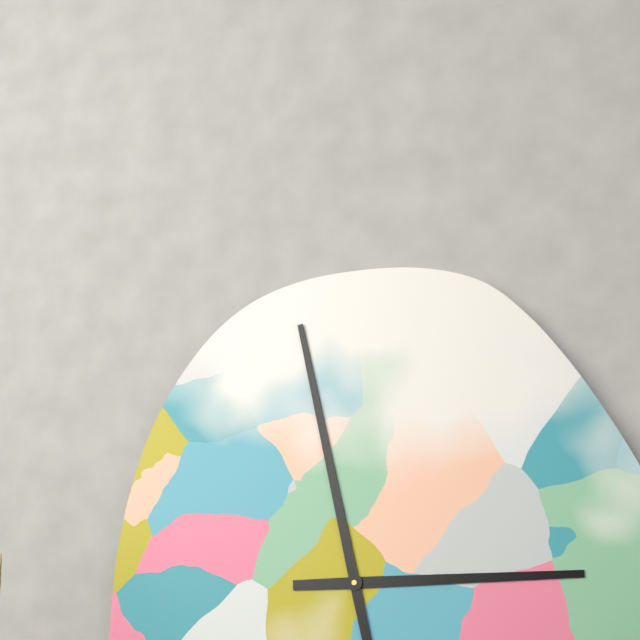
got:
2:58
